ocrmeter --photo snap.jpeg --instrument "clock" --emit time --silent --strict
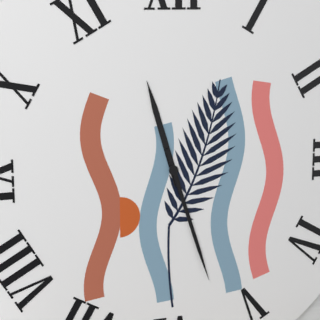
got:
11:27
